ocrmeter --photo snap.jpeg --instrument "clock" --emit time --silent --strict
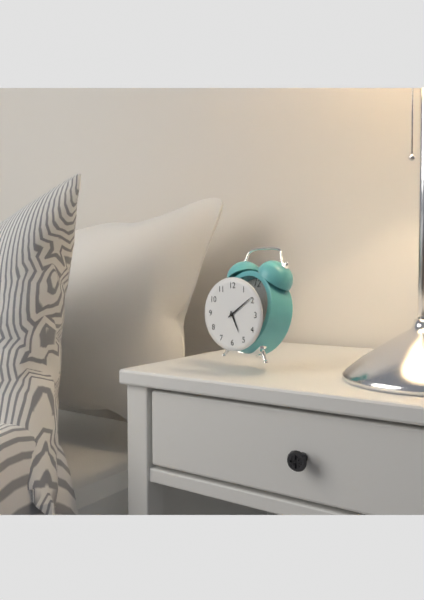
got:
5:09
